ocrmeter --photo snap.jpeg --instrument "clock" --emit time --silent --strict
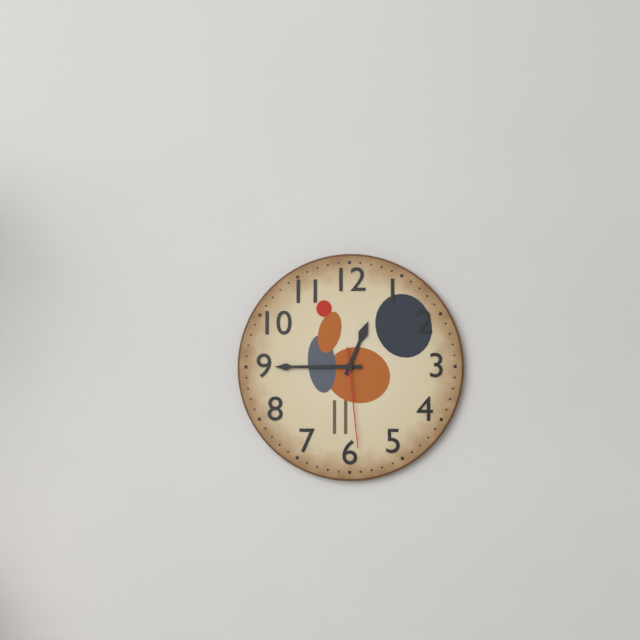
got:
12:45:29
